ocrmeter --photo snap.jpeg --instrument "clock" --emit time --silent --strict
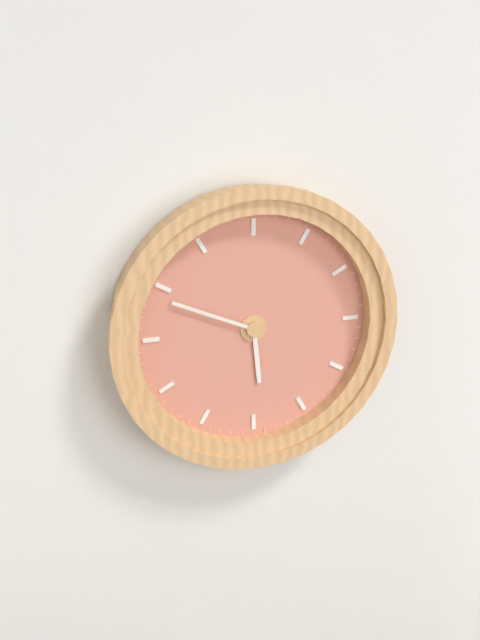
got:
5:49
